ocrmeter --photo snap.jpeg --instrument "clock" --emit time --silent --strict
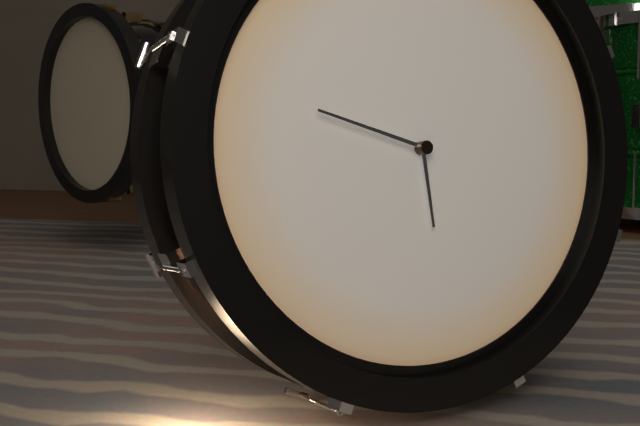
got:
5:48
